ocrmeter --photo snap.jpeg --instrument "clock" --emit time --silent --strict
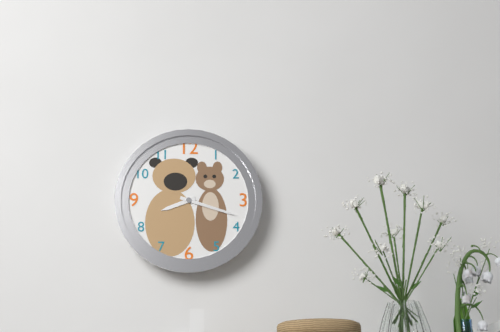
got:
8:18
